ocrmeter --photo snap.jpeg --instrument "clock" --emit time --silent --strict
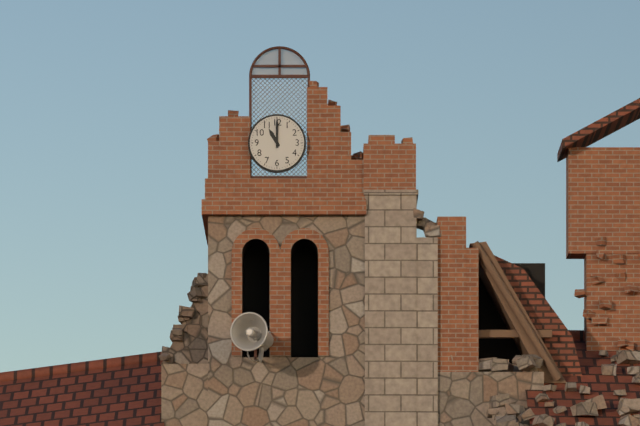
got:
11:00
